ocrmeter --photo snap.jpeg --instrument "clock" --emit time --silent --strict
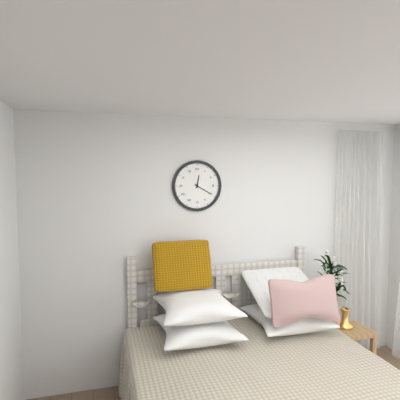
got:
12:20
